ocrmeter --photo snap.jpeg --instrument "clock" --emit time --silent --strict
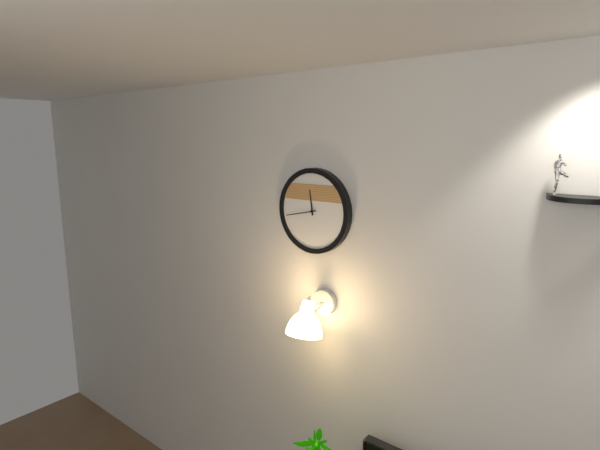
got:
11:43
